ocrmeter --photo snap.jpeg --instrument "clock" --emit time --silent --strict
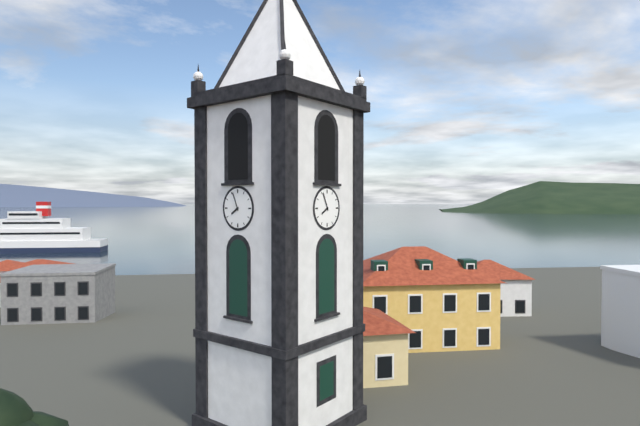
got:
7:56
